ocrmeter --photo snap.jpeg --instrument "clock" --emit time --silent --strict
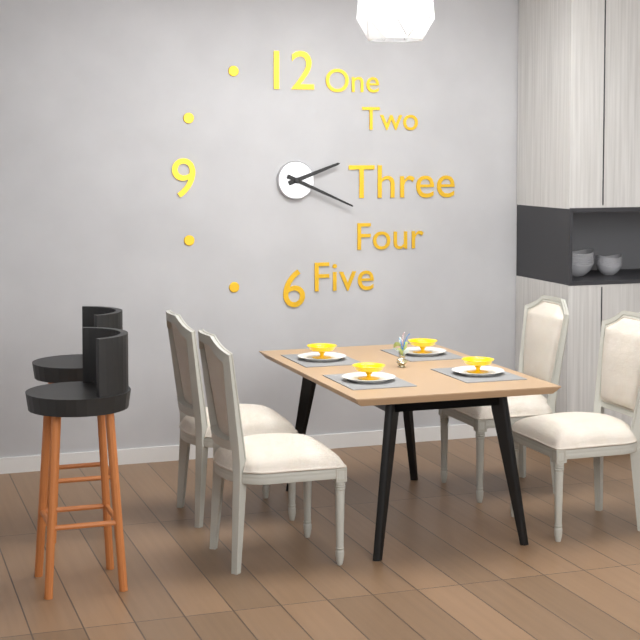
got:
2:19
